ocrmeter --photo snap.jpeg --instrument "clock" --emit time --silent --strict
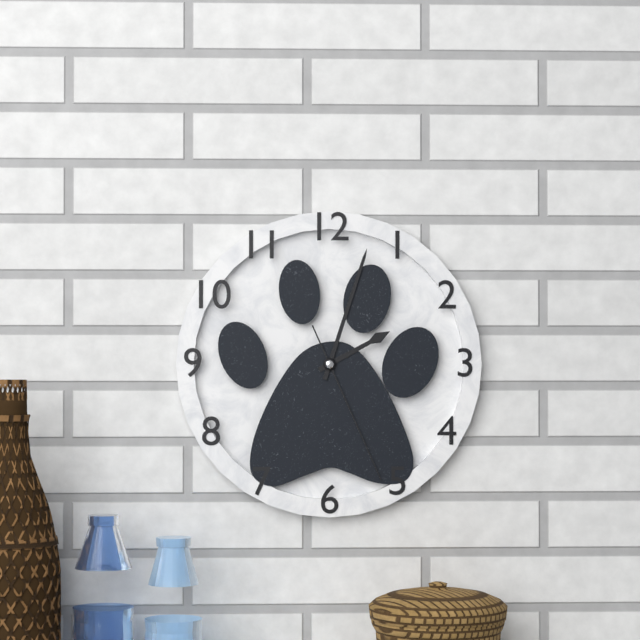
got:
2:03:26
